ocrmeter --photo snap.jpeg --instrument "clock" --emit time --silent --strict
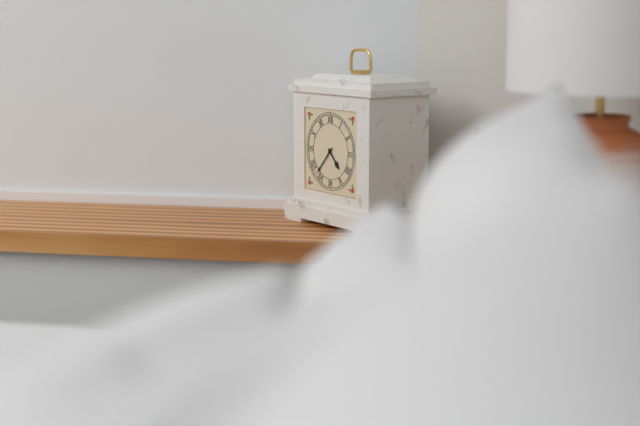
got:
4:37
